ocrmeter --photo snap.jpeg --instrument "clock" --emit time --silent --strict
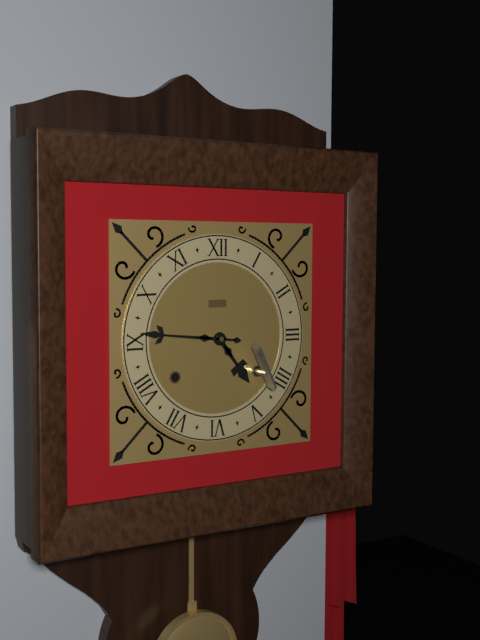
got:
4:46
